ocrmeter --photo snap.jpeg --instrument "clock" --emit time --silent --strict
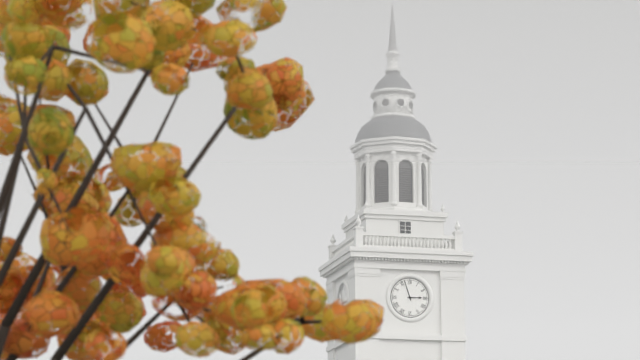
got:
2:57
